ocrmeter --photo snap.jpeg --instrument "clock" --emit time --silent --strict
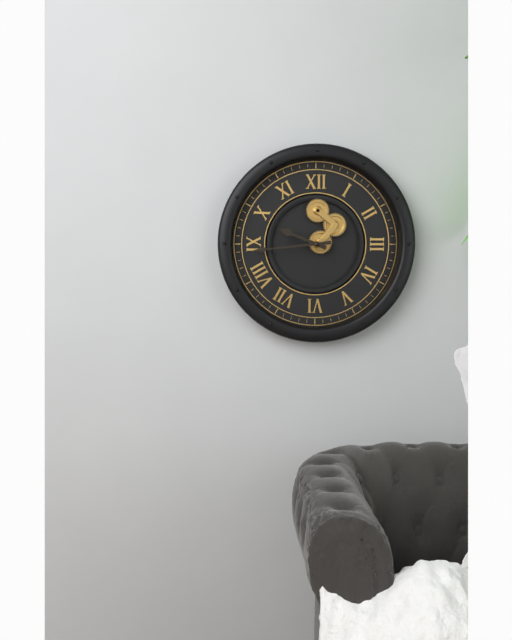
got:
9:44
